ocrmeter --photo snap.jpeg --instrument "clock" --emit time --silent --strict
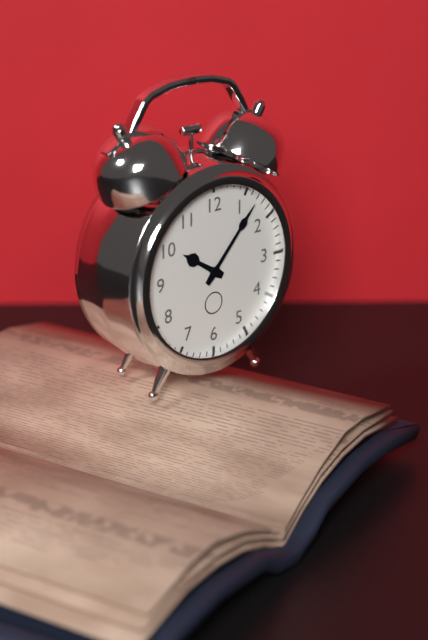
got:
10:07
